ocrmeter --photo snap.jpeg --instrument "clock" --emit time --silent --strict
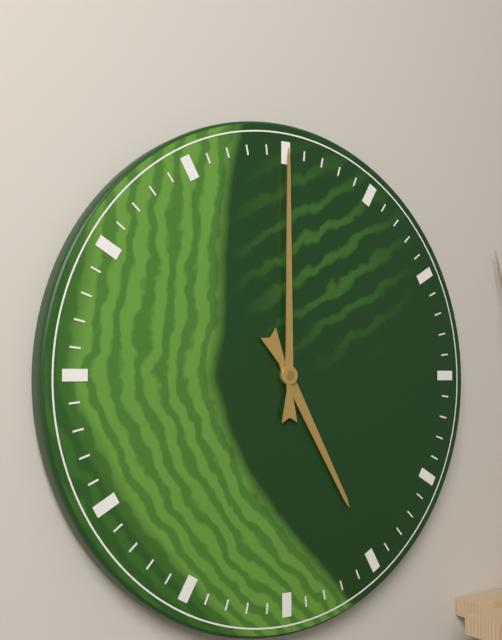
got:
5:00
